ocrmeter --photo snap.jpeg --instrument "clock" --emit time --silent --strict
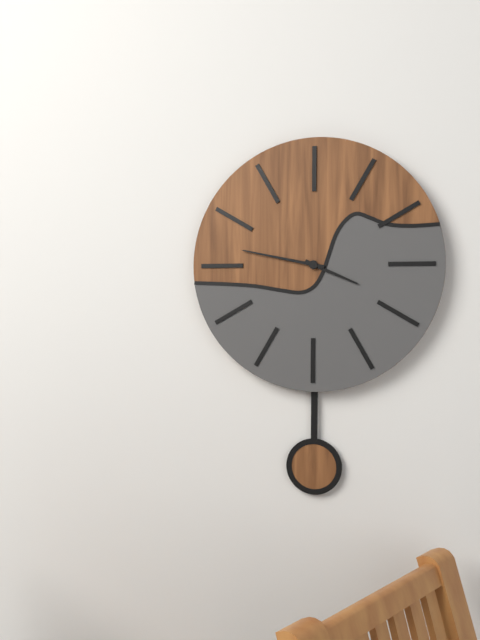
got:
3:47
